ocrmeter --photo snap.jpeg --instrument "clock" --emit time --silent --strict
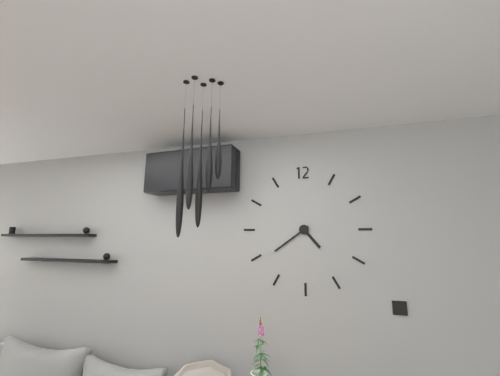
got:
4:39
